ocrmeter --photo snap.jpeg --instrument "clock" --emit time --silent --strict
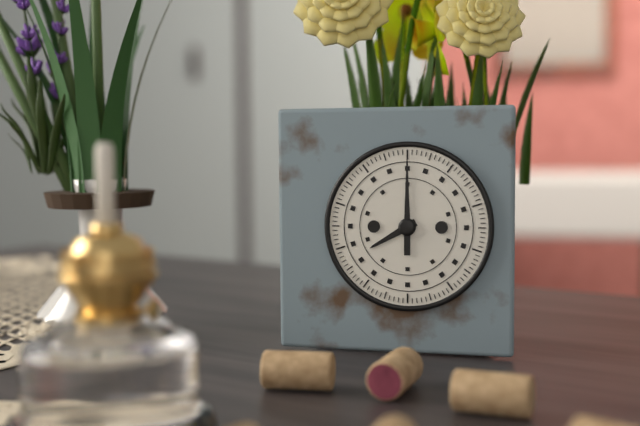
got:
8:00
